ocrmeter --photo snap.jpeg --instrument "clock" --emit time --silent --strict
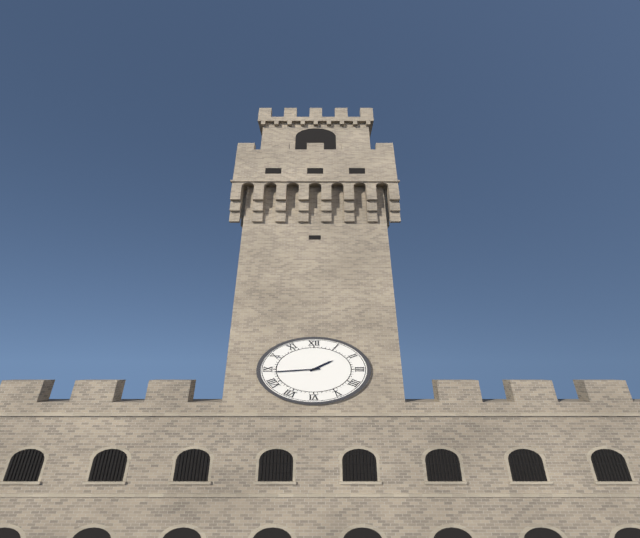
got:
1:44
